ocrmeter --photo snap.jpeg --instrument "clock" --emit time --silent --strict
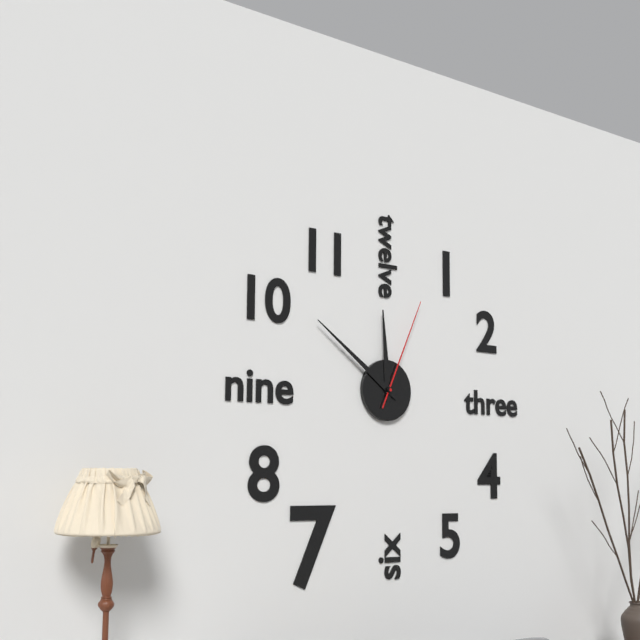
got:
11:51:04
